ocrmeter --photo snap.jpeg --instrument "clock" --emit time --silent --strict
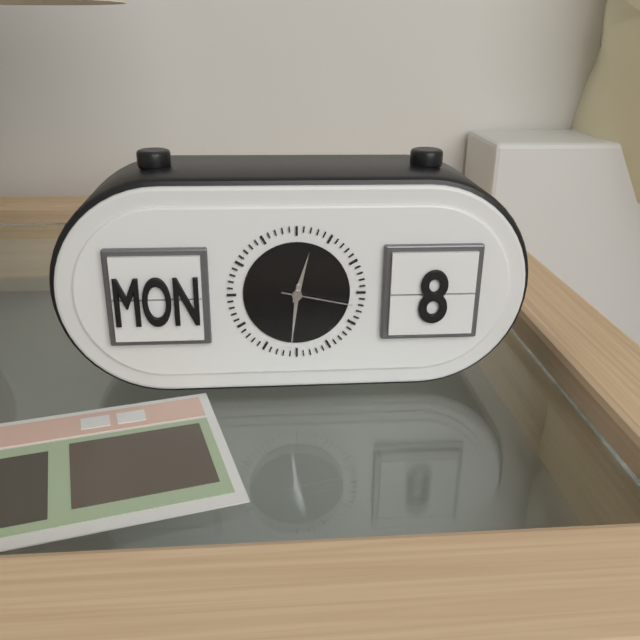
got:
12:31:17
